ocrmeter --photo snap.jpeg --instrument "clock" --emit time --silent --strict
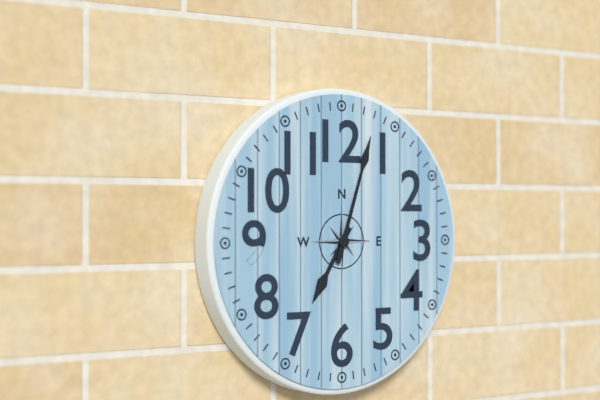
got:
7:03
